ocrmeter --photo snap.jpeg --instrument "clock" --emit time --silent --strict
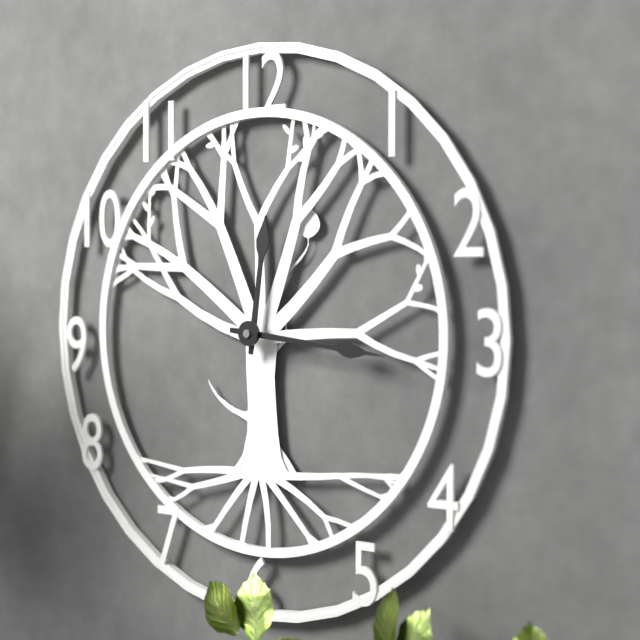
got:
12:16
